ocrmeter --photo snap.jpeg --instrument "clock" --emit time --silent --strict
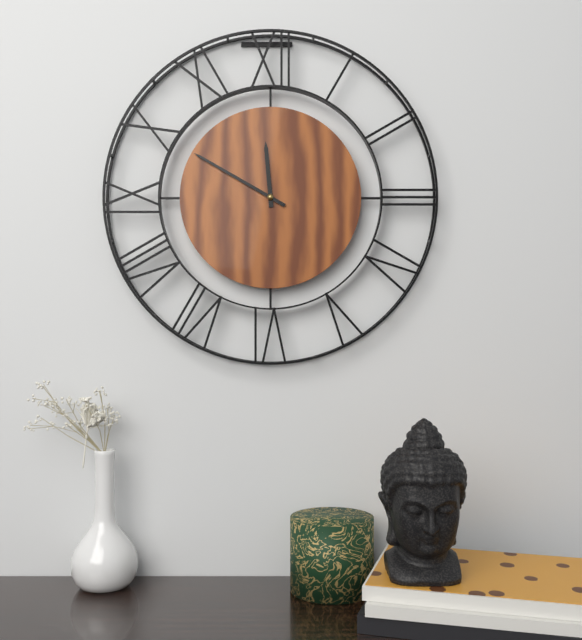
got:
11:50
